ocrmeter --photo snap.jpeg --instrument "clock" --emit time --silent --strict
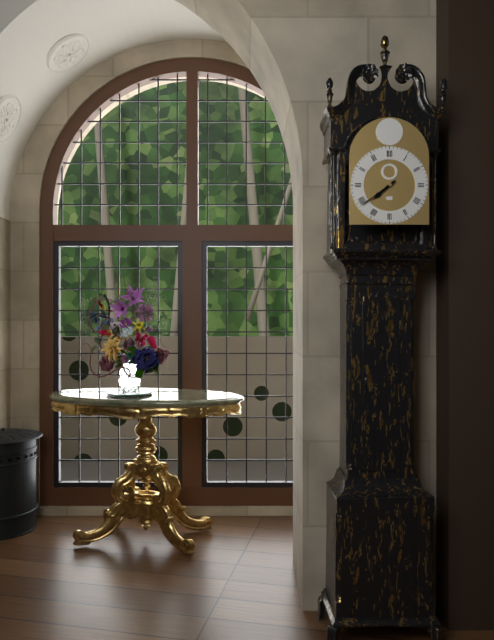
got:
7:39
